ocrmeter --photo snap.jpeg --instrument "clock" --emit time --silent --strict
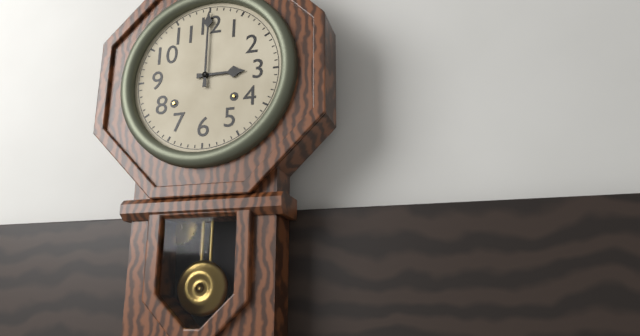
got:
3:00
